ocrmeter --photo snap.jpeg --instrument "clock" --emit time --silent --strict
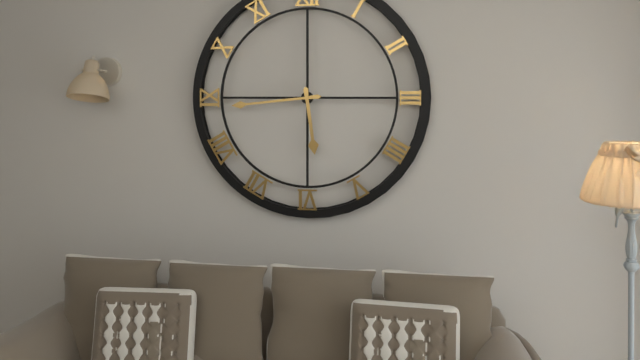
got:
5:44
